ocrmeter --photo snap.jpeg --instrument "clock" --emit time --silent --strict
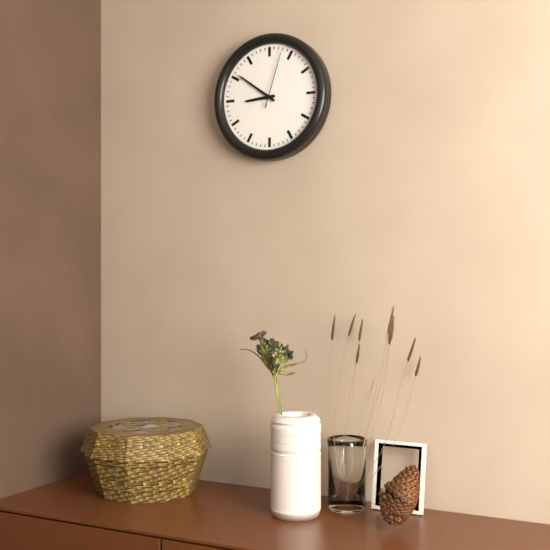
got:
8:51:03
